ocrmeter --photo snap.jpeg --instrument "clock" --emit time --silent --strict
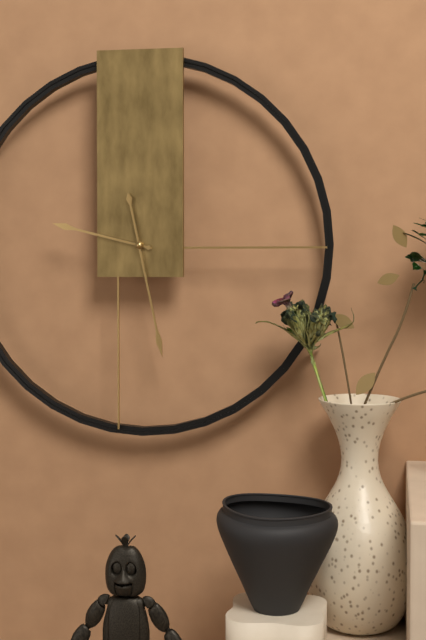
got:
9:28
